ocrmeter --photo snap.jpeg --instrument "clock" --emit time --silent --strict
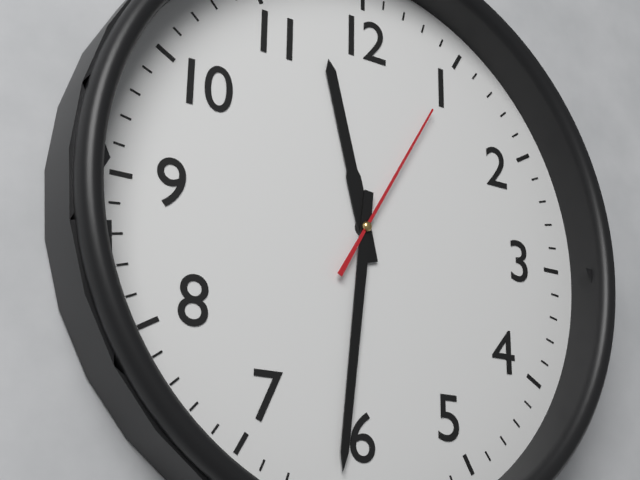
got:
11:31:05
